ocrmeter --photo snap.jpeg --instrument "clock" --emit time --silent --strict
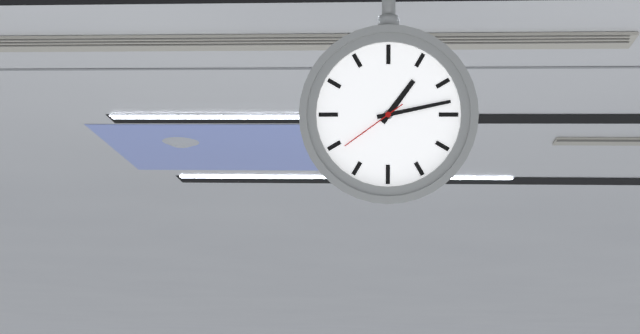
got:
1:13:39
